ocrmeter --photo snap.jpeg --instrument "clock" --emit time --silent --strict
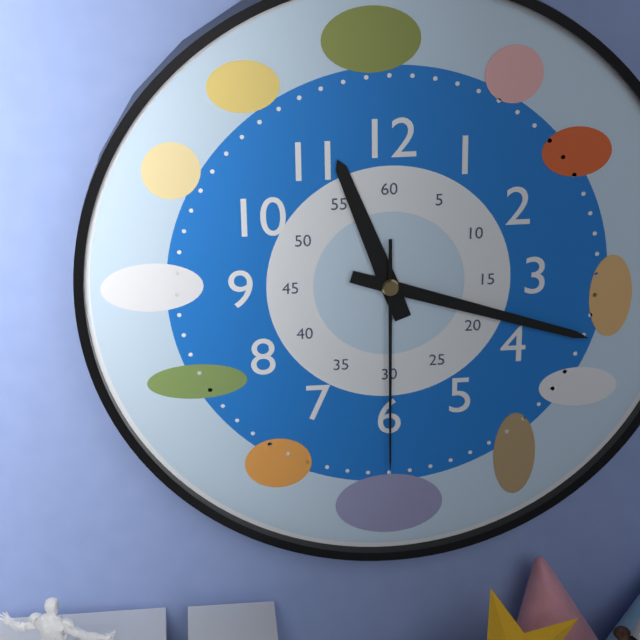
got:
11:18:30
